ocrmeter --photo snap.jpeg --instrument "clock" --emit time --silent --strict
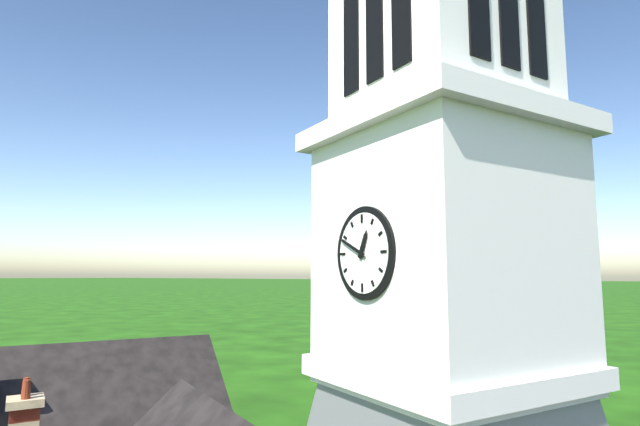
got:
12:49
